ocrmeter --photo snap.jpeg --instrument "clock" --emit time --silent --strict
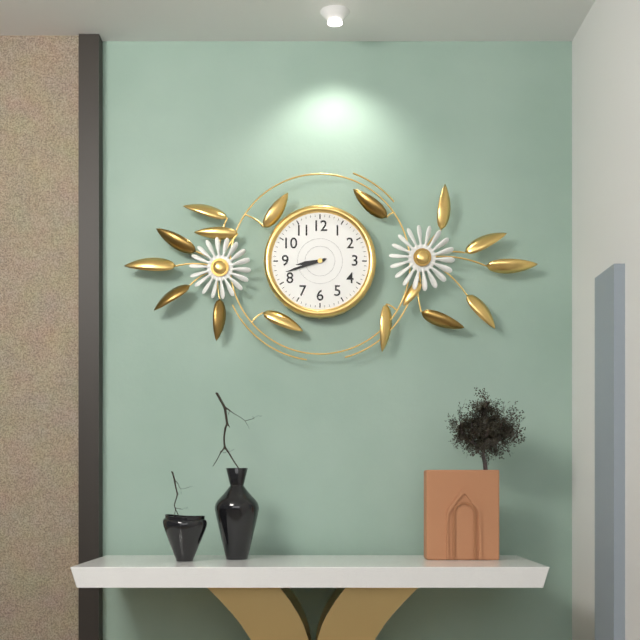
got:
8:42
